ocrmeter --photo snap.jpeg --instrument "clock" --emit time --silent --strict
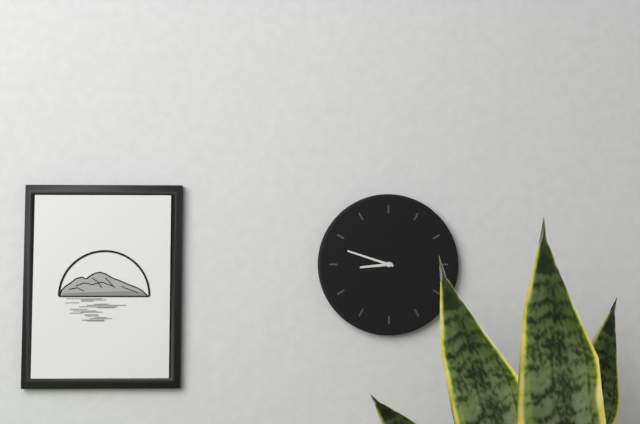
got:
8:48
